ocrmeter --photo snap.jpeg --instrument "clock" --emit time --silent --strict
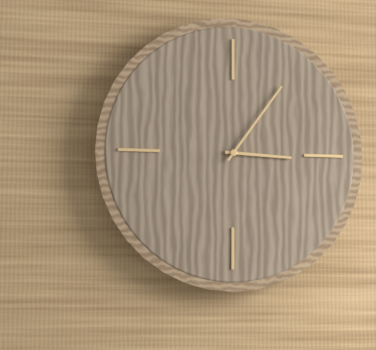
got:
3:06
